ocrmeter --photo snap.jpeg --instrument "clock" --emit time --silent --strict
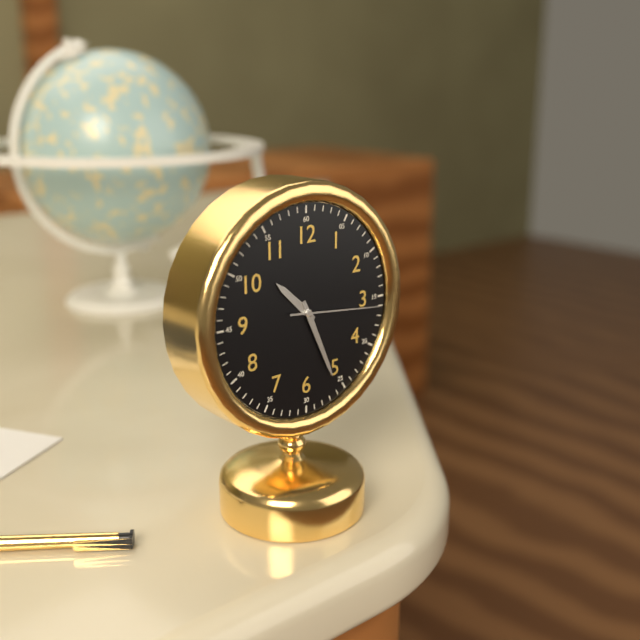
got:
10:26:16
